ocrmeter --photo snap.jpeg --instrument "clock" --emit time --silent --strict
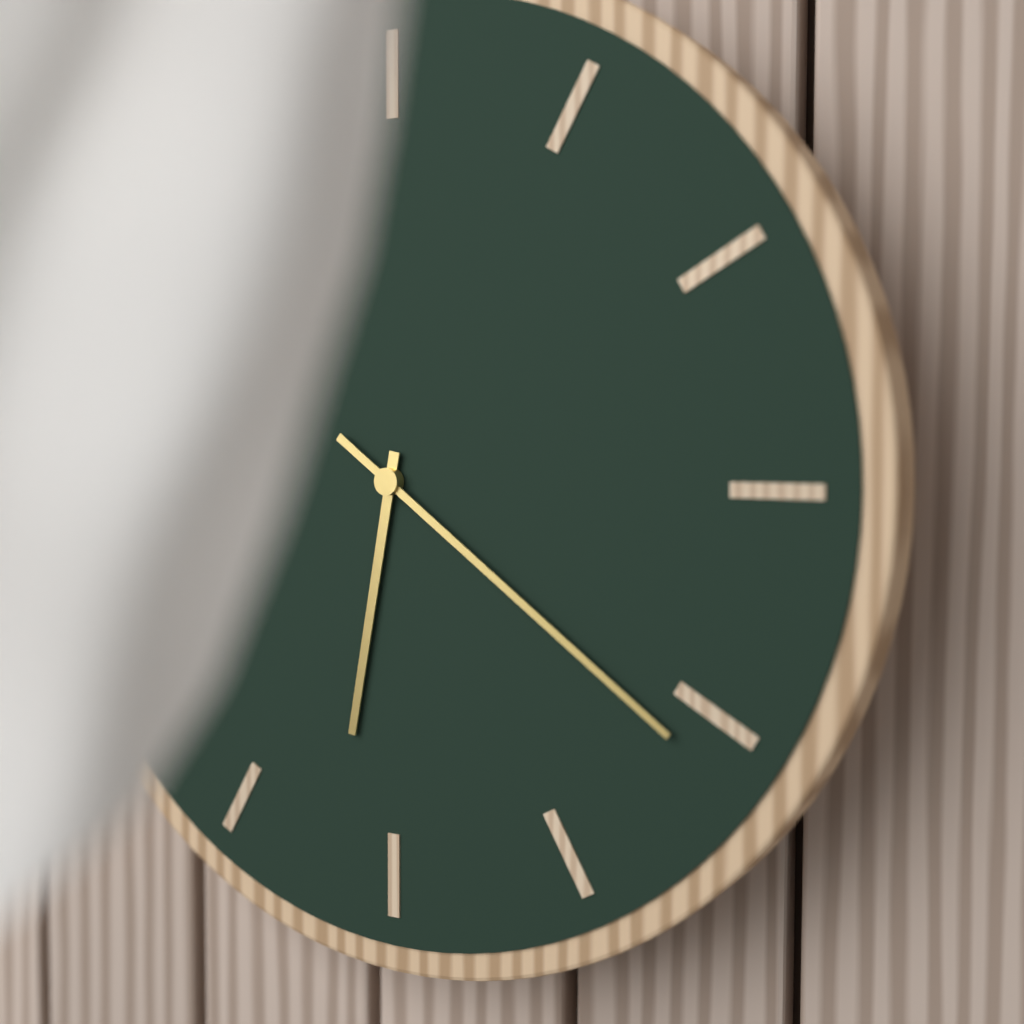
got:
6:21
